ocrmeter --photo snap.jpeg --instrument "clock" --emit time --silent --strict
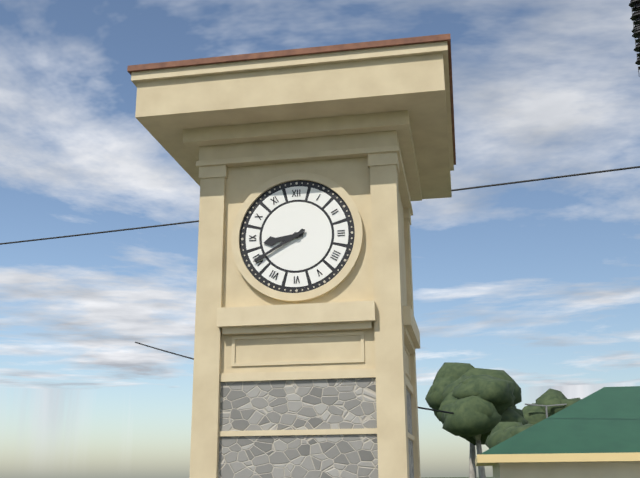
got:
8:40
